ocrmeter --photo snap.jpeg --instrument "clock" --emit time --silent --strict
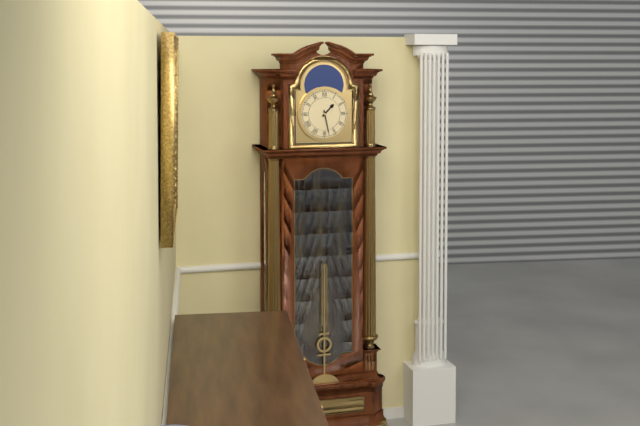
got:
1:28
